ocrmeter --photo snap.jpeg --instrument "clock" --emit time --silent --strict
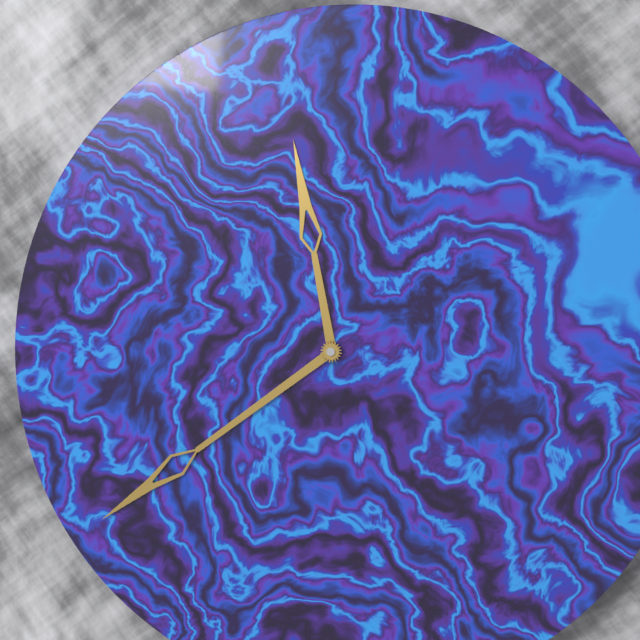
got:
11:39
